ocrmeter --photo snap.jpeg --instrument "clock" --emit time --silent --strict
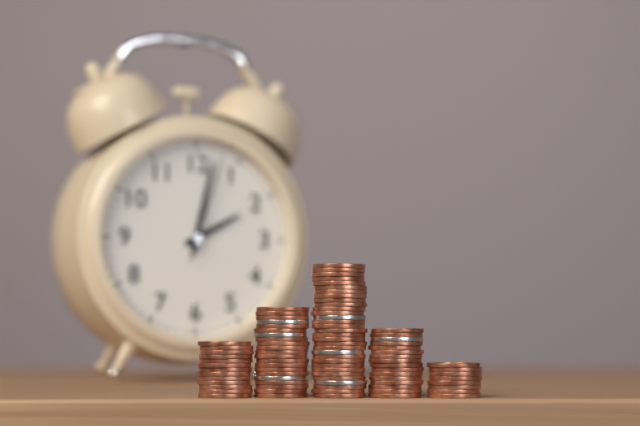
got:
2:02:03
